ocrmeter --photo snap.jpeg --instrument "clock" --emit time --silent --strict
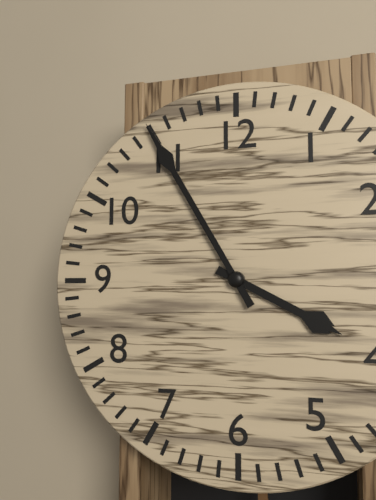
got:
3:55
